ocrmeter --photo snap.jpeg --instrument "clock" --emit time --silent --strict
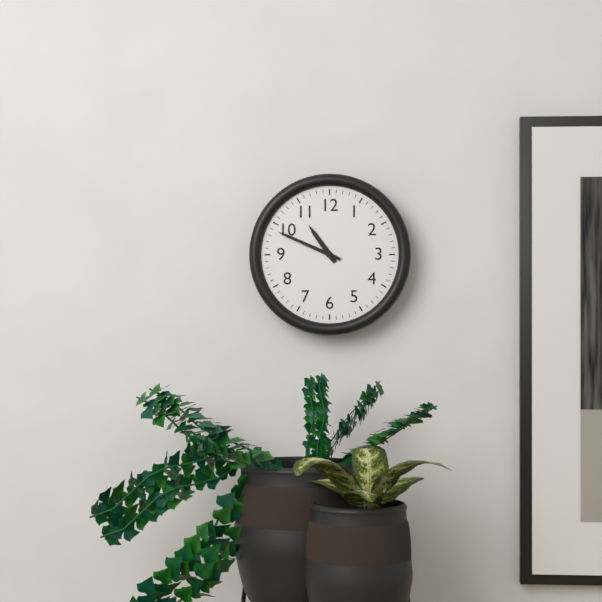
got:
10:49
